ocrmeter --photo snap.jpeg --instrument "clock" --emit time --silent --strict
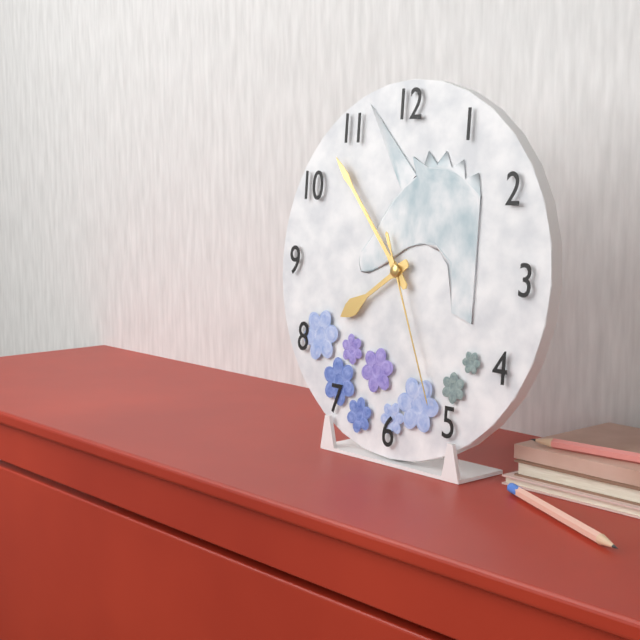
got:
7:53:26
